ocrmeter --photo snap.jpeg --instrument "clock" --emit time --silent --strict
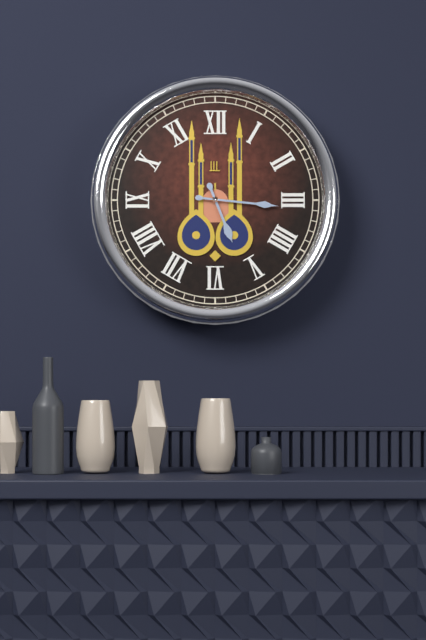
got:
5:16
